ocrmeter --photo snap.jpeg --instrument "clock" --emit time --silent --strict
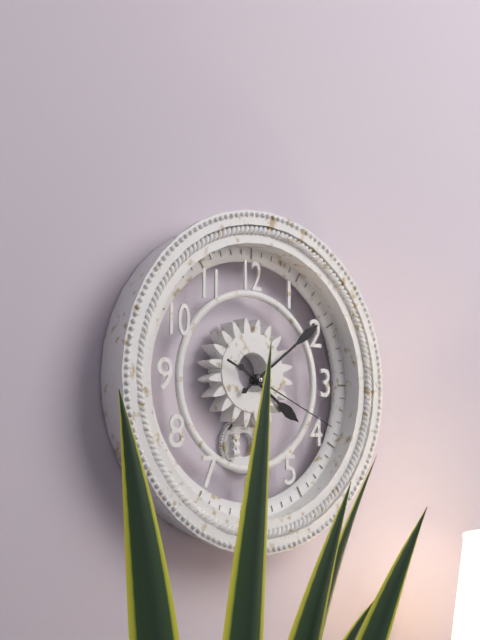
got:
4:09:19
